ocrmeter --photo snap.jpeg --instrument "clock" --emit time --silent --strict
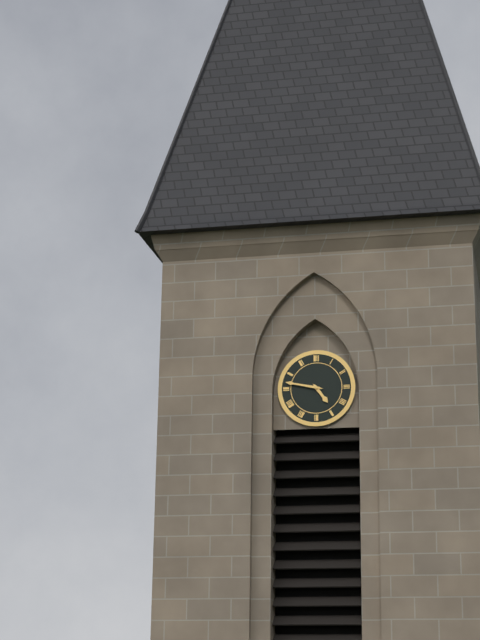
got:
4:47
